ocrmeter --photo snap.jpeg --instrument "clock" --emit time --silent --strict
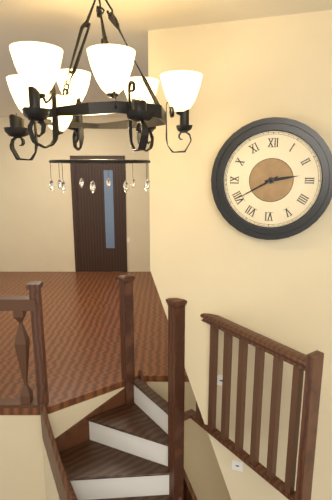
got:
2:40
